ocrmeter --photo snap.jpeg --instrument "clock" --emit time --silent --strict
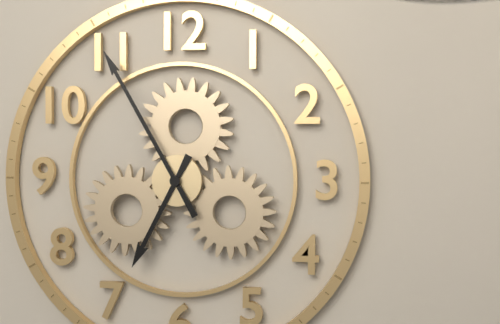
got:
6:55
